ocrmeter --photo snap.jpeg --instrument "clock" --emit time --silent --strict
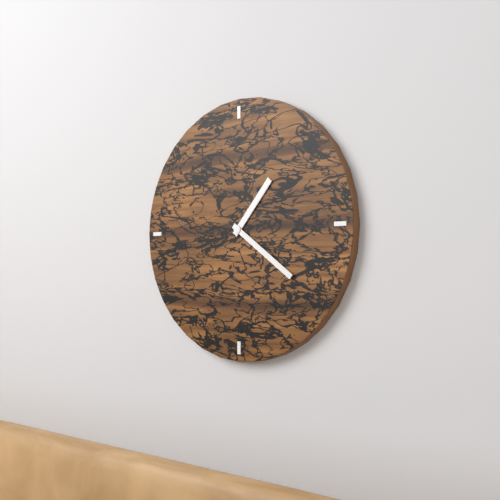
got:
1:21
